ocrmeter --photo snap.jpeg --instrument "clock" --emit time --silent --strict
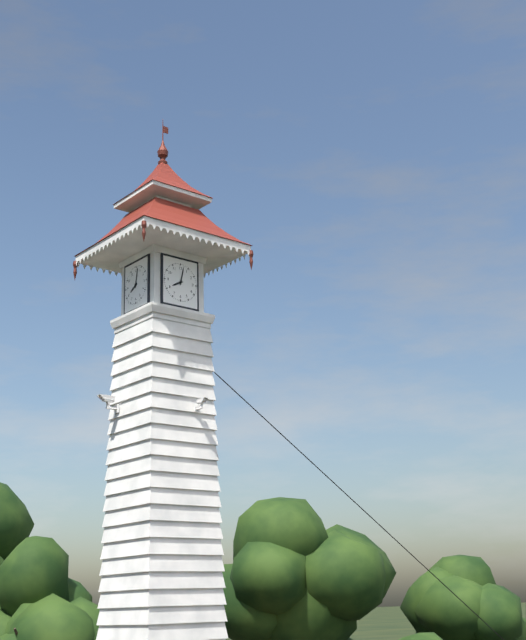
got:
8:02
